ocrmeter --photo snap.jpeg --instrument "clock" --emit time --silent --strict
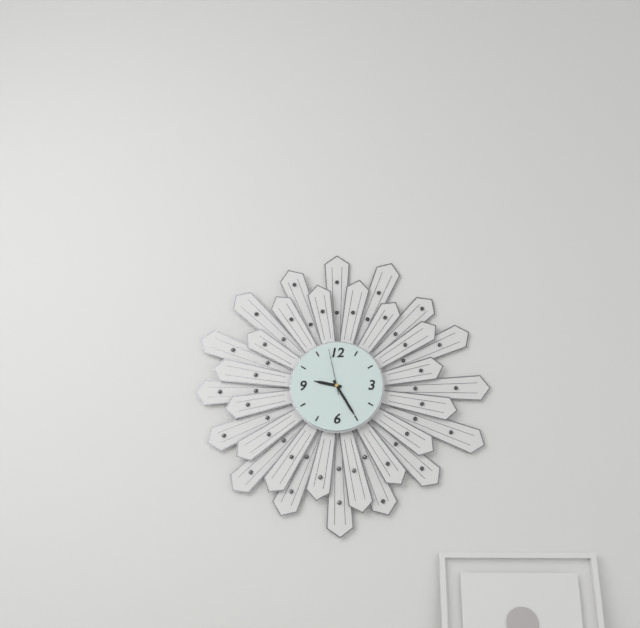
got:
9:25
